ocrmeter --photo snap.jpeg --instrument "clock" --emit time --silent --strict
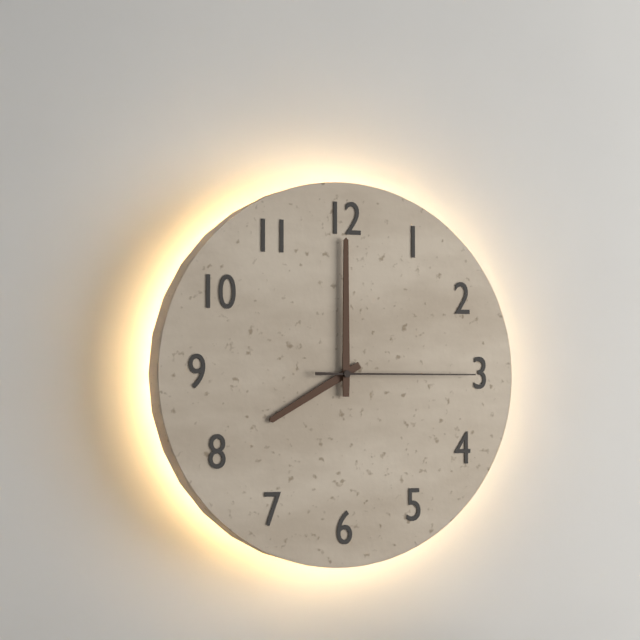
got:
8:00:15
